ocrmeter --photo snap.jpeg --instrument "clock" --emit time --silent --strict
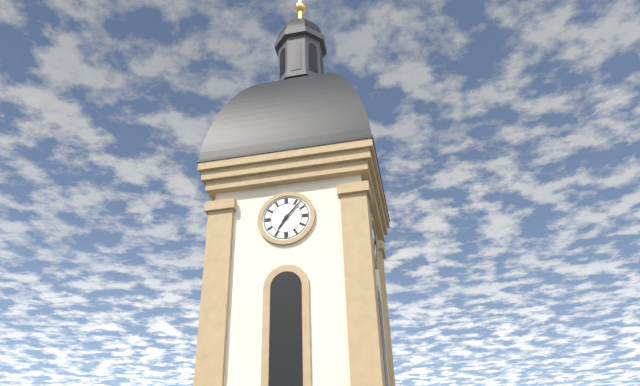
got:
7:07
